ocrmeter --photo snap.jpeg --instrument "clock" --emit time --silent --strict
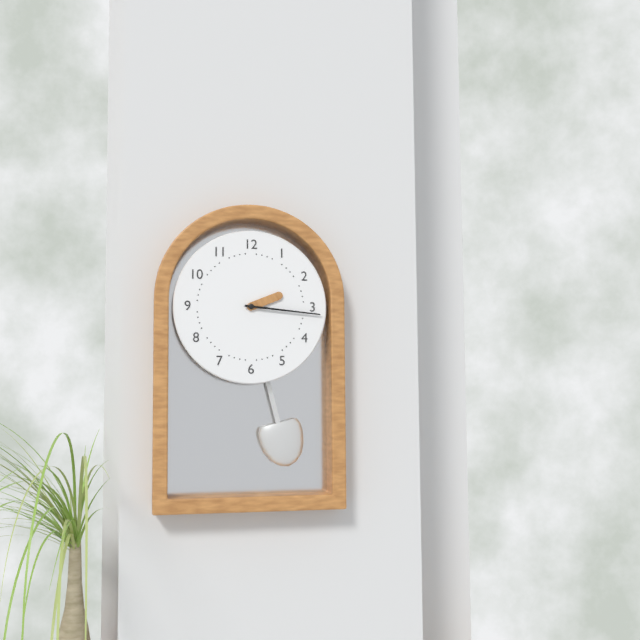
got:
2:16
